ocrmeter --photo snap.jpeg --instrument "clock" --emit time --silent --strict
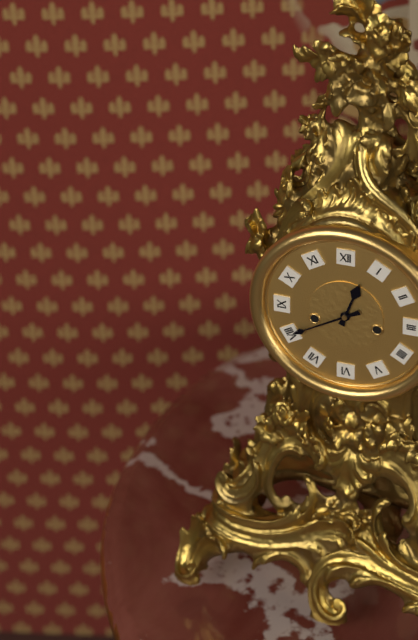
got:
12:40
